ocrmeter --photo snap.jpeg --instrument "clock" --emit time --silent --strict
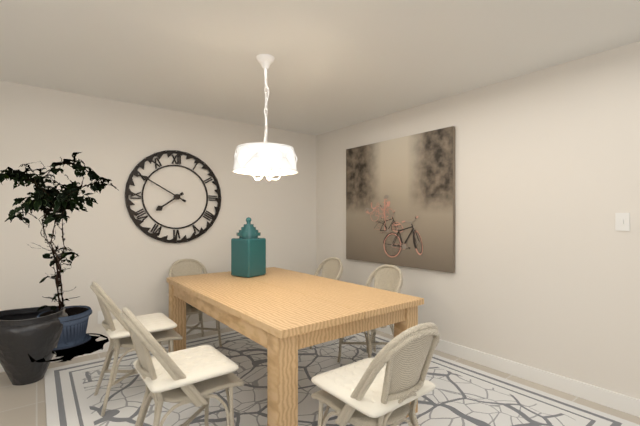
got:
7:50
